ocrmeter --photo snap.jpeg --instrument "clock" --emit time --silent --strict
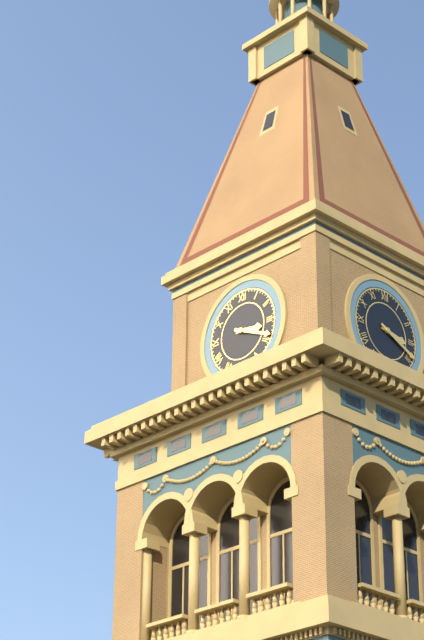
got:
3:19
